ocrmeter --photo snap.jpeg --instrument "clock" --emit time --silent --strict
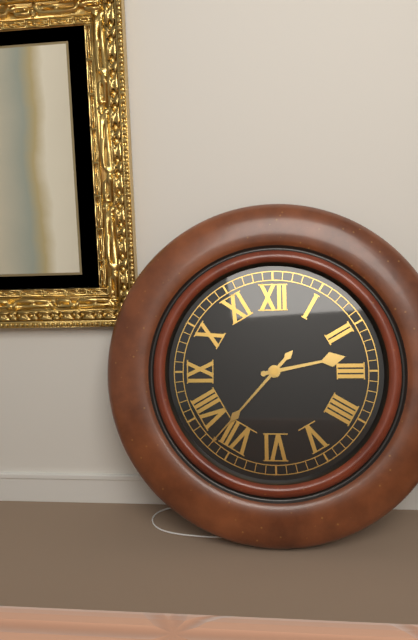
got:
2:37
